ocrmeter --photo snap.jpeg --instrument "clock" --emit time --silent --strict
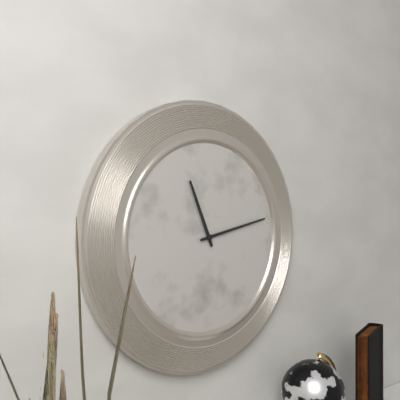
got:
11:13
